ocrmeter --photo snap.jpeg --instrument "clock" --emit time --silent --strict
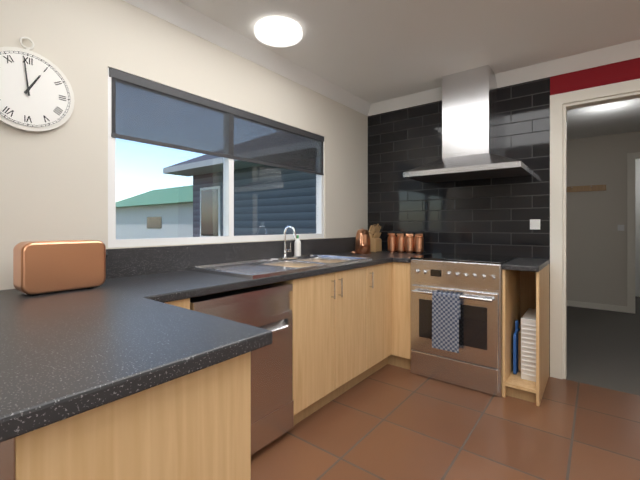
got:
12:59
